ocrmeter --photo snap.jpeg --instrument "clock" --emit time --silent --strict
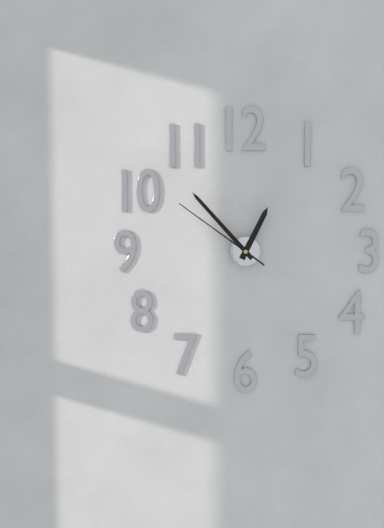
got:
12:53:51
